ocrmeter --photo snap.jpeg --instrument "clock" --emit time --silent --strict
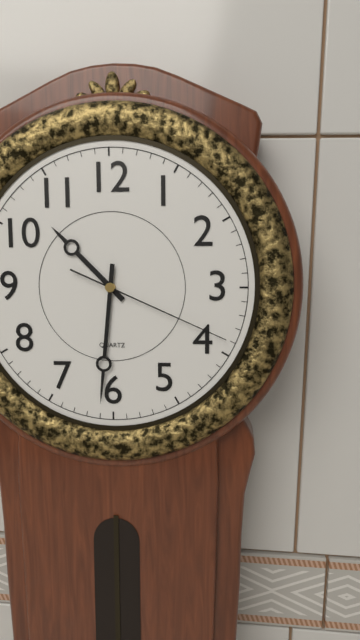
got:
10:31:19
